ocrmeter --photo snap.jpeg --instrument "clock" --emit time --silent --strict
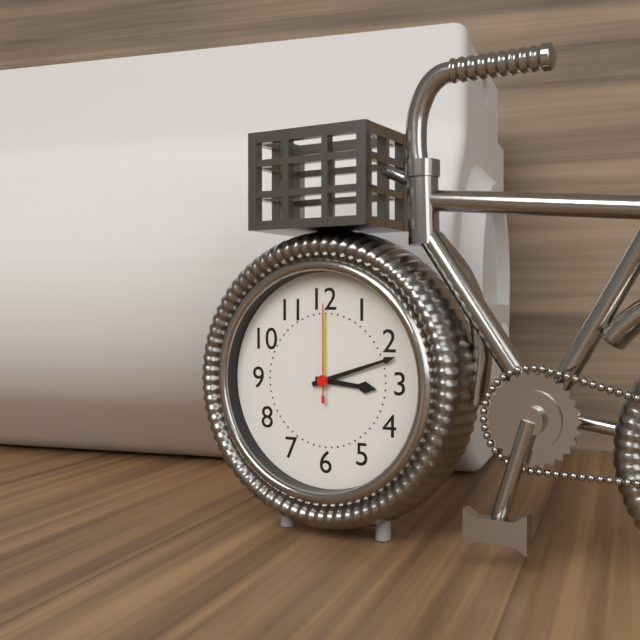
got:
3:12:00
